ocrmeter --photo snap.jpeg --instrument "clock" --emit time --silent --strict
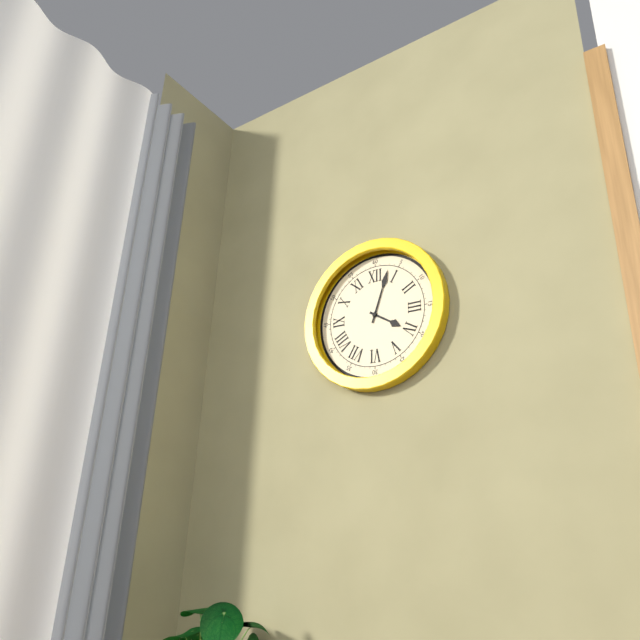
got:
4:03
